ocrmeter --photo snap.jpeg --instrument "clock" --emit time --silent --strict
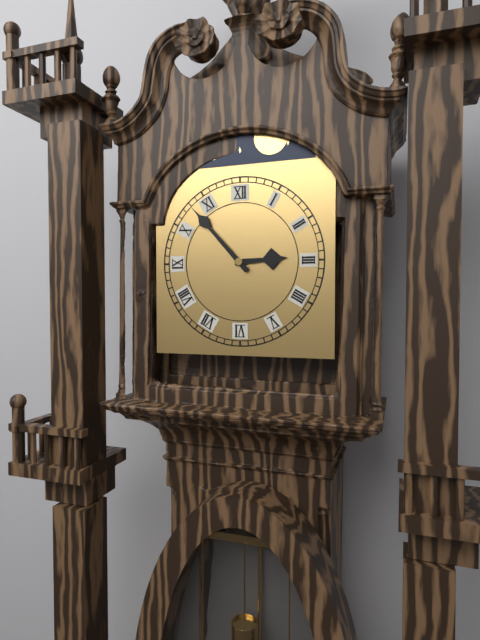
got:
2:53
